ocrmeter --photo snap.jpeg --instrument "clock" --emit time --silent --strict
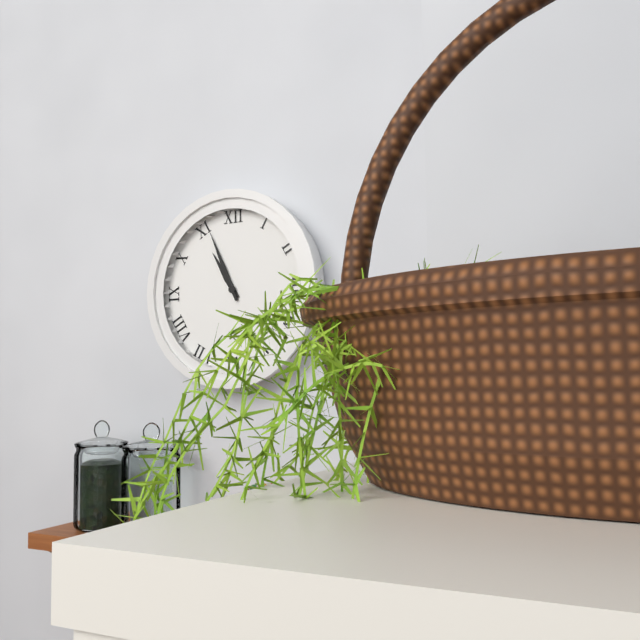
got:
10:56
